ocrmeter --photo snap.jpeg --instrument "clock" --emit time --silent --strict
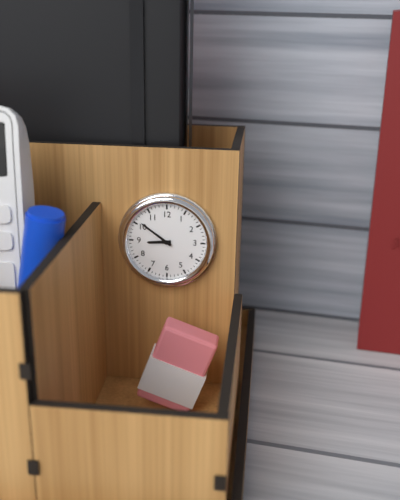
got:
8:51
